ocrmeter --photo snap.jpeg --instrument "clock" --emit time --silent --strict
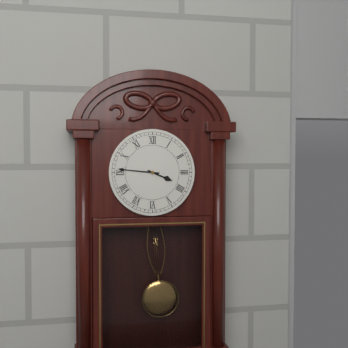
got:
3:46
